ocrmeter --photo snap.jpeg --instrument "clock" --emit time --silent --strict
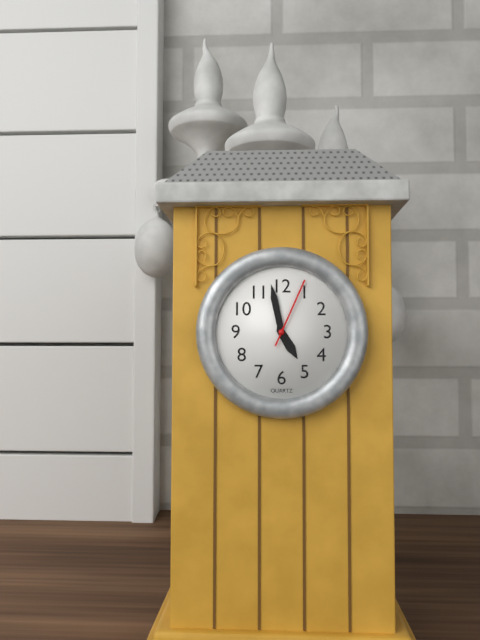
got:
4:58:04
